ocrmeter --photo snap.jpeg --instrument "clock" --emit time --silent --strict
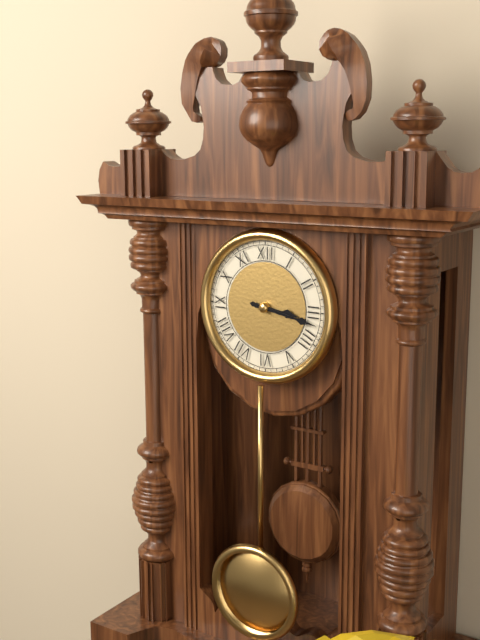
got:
3:17
